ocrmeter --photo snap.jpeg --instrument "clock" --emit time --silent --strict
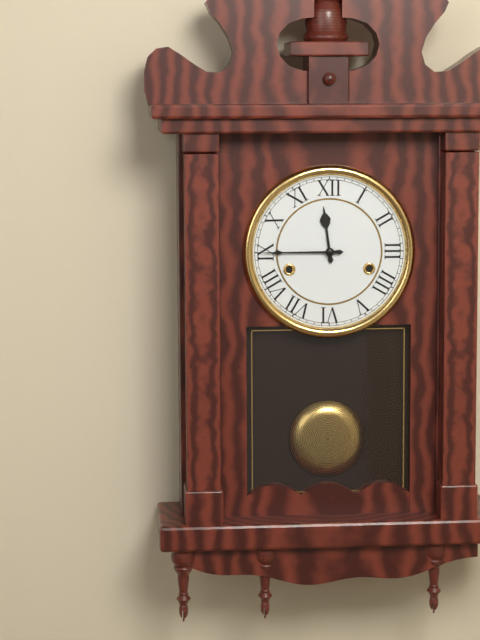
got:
11:45
